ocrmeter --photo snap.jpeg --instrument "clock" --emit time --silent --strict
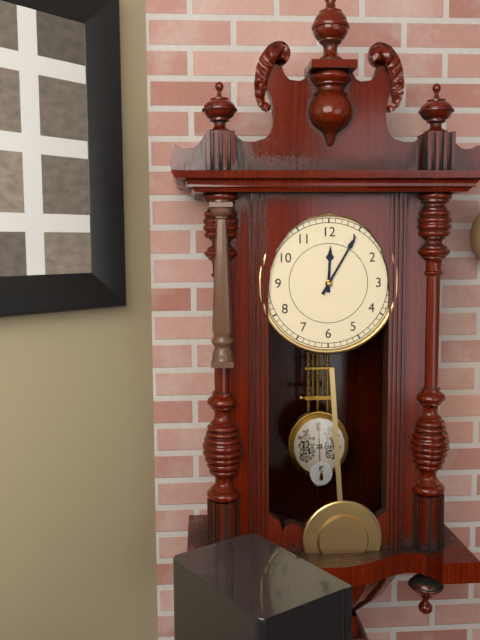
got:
12:05
